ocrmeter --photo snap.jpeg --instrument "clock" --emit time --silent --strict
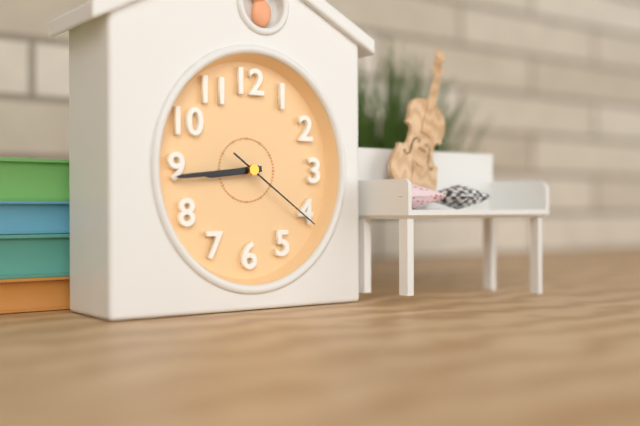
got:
8:44:21
